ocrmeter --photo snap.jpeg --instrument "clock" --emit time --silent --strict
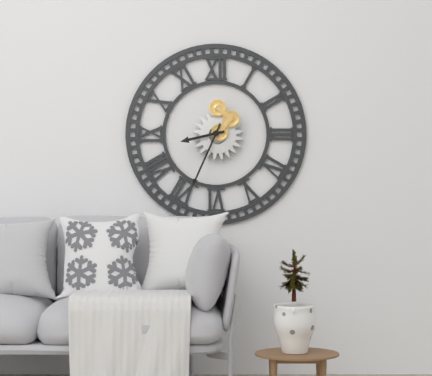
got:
8:34
